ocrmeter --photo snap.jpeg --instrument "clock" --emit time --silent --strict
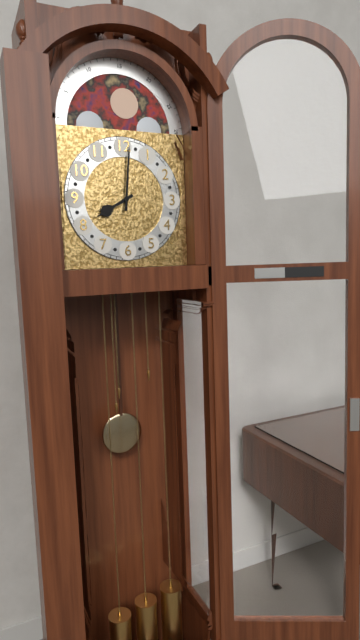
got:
8:01
